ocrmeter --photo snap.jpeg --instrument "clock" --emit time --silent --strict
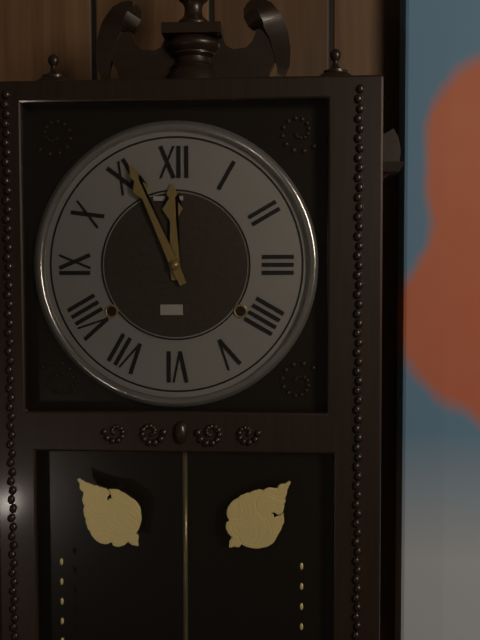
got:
11:56
